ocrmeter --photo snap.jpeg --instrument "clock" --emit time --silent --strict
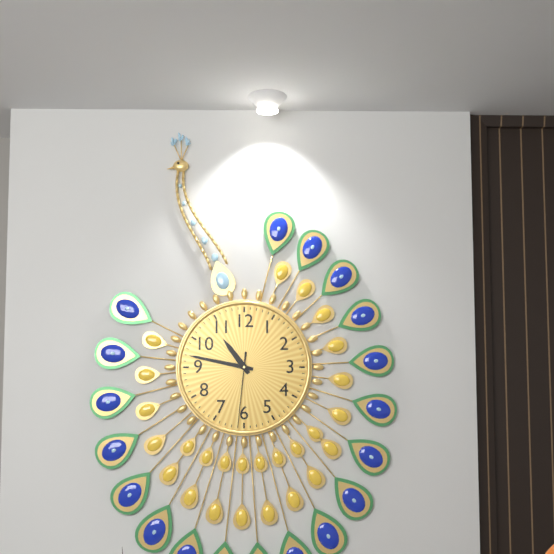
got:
10:47:31
